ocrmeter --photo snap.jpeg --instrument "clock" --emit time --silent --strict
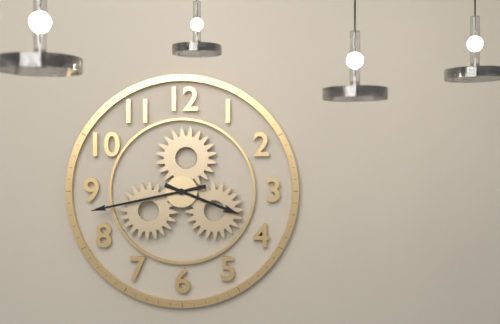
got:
3:43
